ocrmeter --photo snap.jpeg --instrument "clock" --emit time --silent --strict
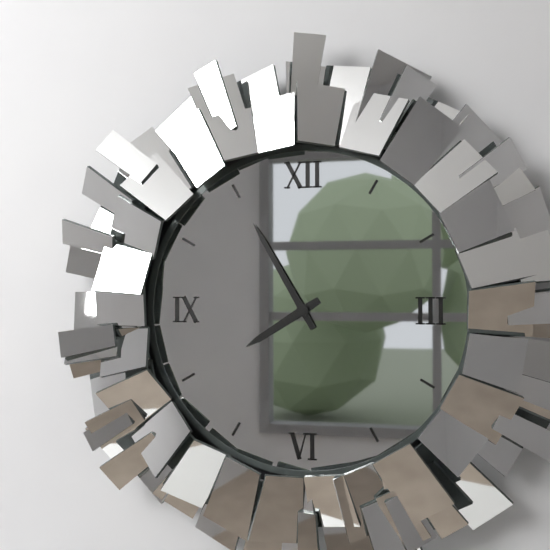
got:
7:55
